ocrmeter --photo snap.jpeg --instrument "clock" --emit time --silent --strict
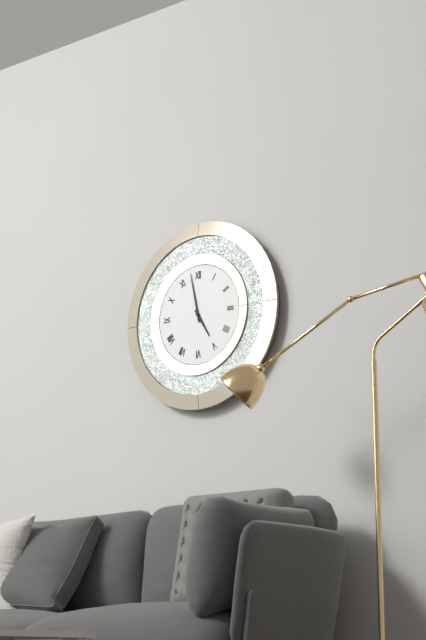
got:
4:58
